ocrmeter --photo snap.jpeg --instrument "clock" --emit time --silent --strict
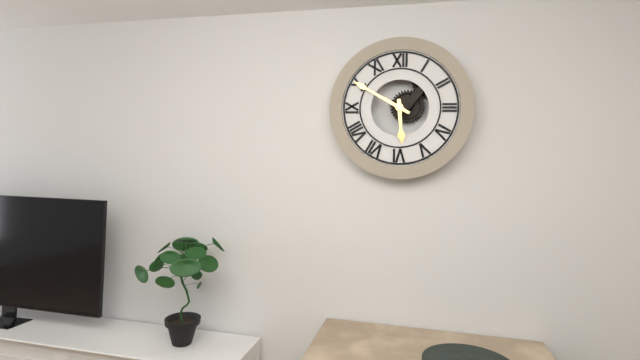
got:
5:50
